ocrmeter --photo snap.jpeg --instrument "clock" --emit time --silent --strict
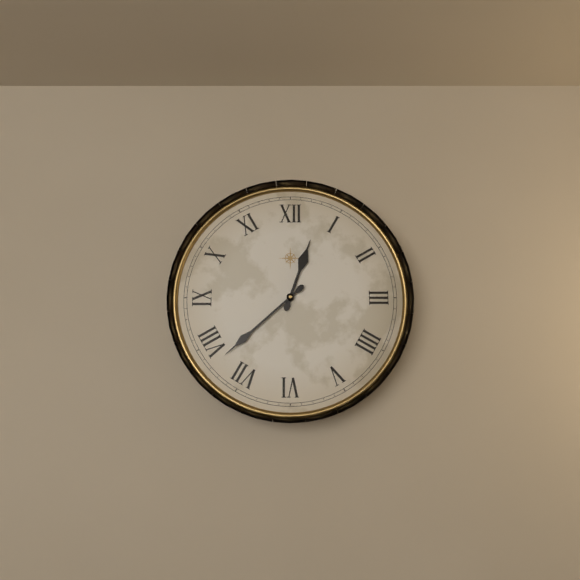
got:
12:38
